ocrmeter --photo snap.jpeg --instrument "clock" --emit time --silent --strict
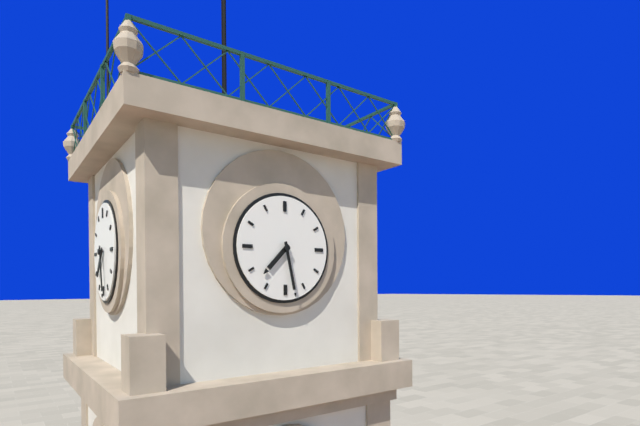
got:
7:28
